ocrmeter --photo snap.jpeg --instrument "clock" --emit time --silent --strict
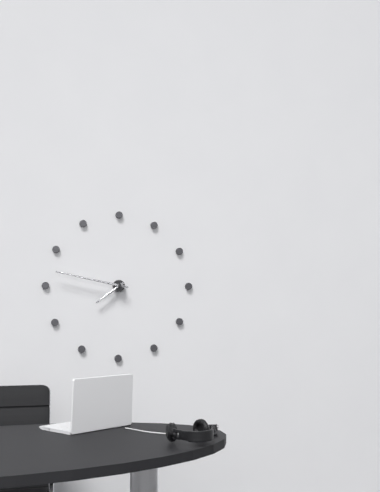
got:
7:47
